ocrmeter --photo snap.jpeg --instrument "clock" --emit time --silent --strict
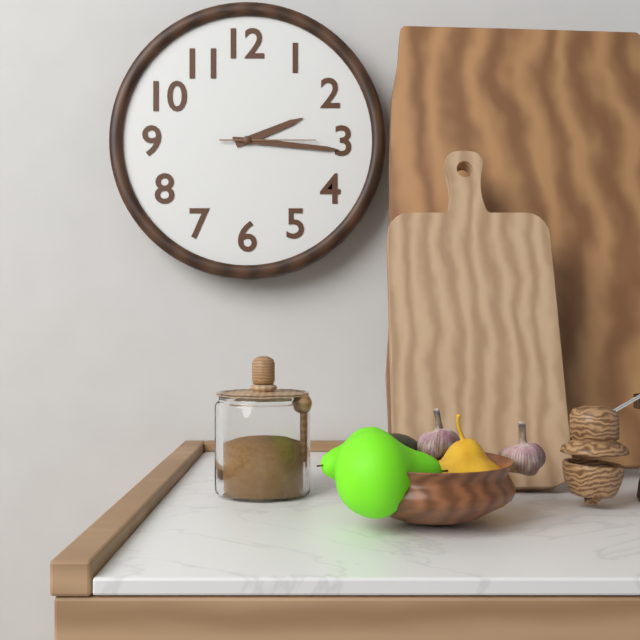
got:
2:16:15
